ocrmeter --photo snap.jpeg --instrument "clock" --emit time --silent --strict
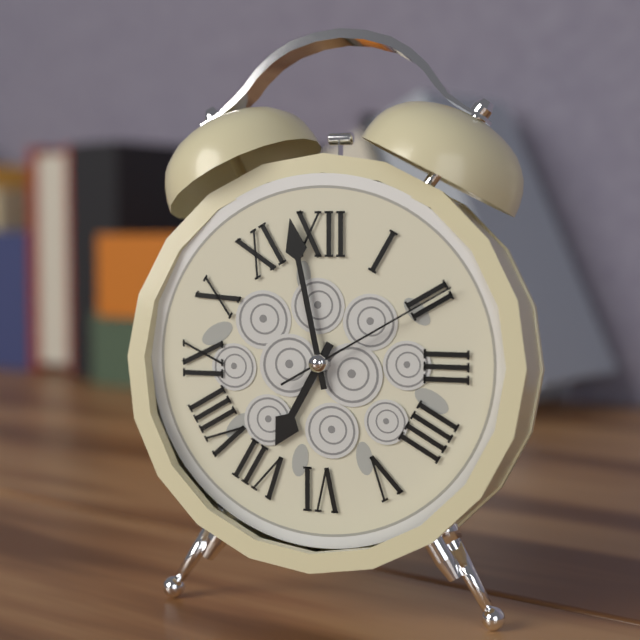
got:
6:58:10
